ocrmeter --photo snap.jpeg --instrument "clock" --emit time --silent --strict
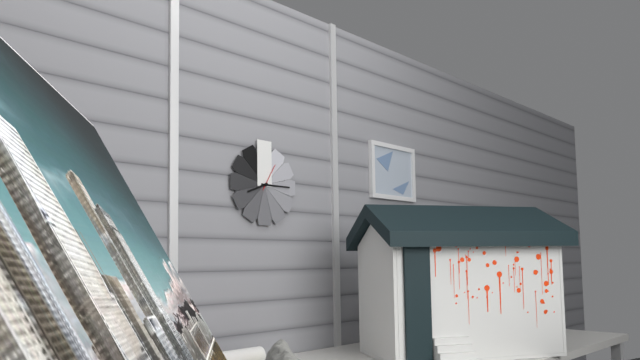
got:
8:15
